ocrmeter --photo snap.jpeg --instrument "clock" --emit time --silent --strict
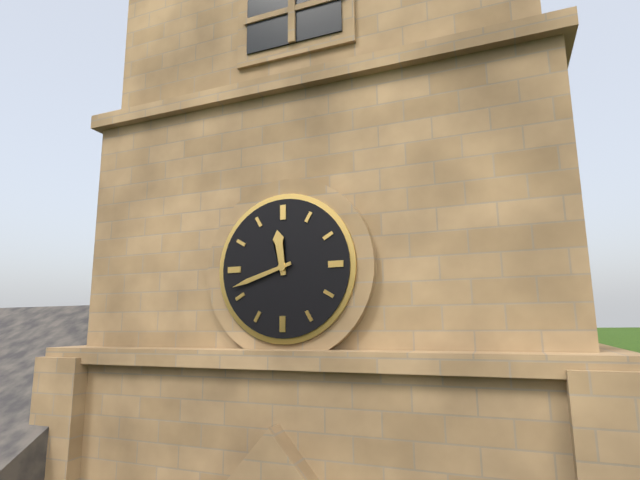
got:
11:42
